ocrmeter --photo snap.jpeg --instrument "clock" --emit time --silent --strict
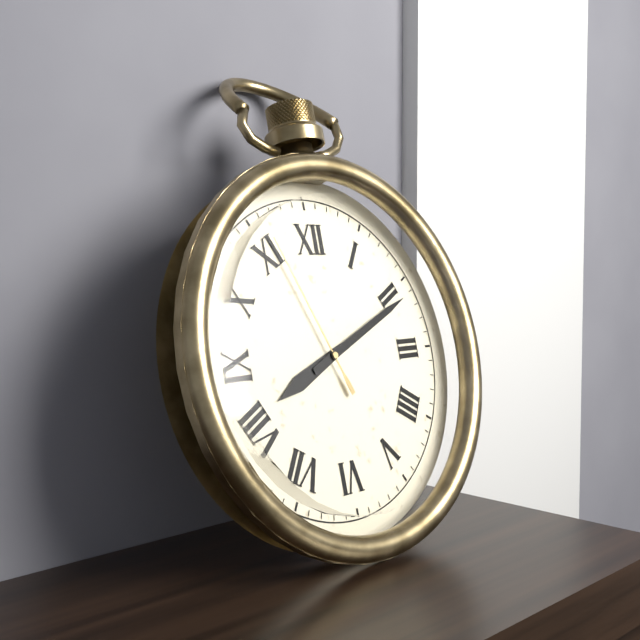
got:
8:11:56
